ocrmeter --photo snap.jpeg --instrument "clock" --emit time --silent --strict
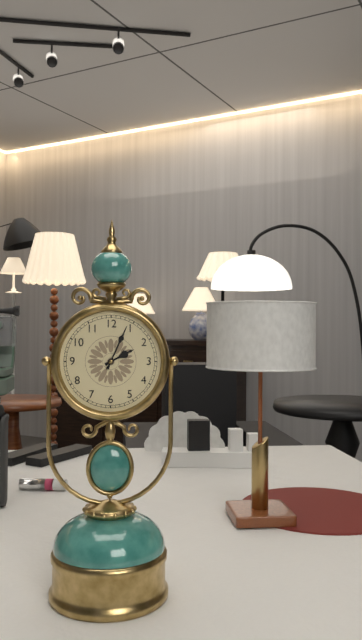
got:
2:04
